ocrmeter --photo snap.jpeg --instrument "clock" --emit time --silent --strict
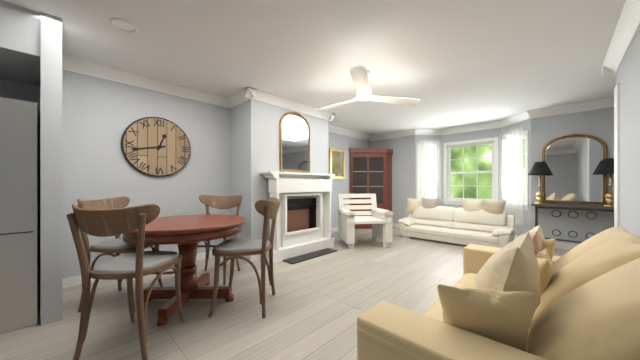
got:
12:43
